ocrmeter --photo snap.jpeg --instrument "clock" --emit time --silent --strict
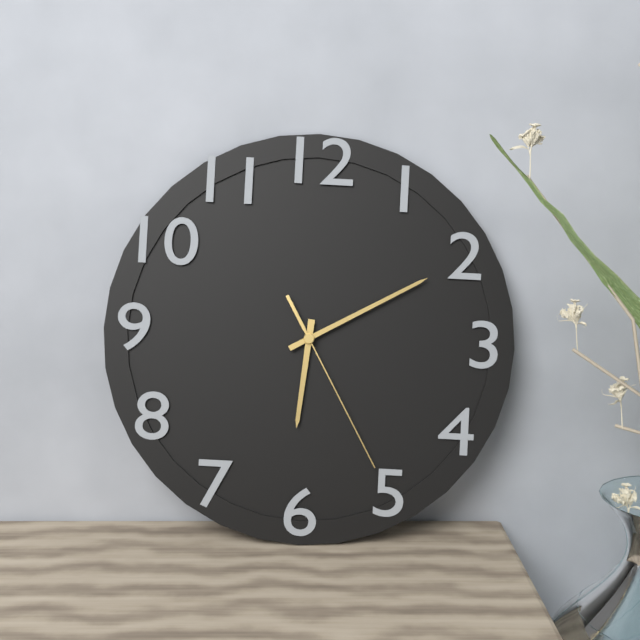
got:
6:10:25
